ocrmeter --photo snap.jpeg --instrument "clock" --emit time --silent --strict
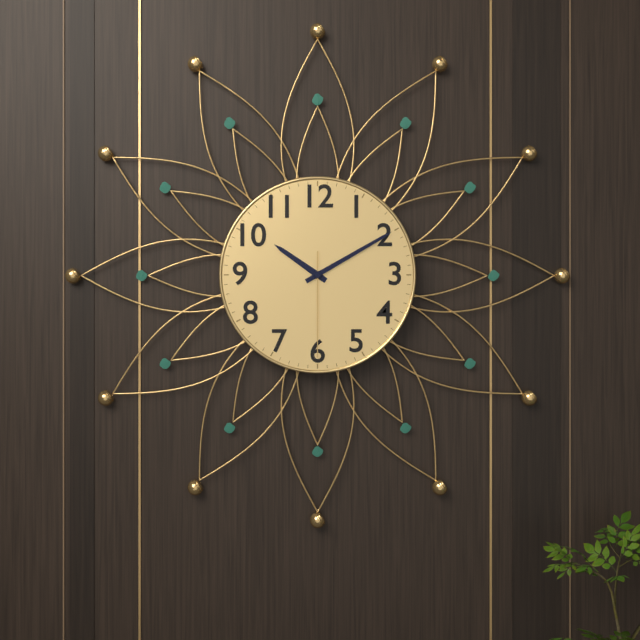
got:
10:10:30
